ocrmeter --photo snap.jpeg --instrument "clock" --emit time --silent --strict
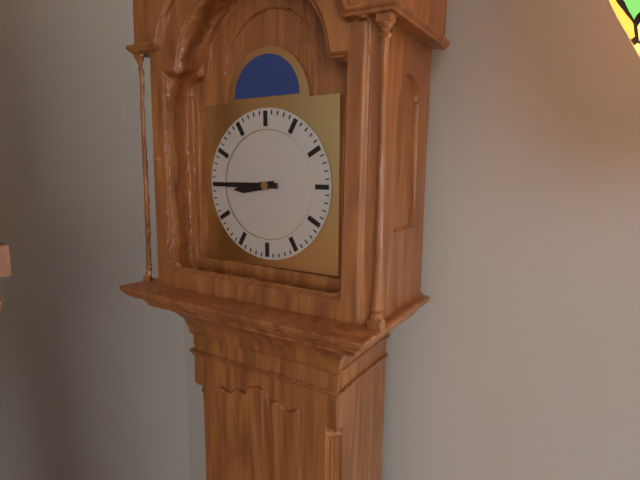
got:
8:45
